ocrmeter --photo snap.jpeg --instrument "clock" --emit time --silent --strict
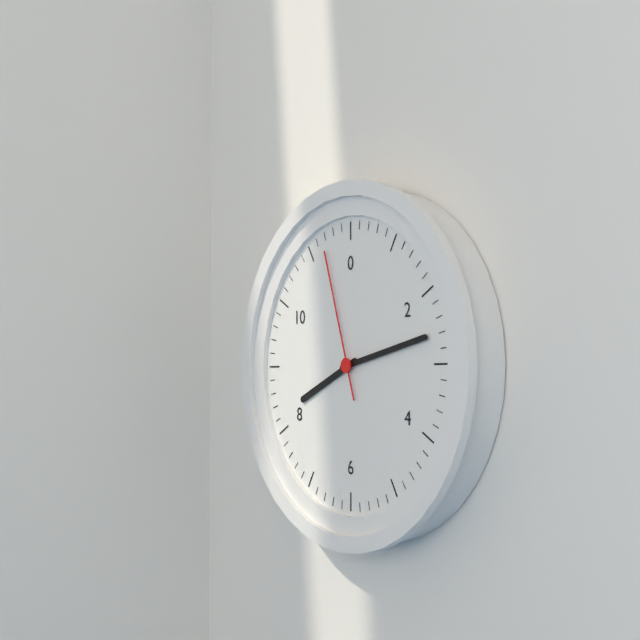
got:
8:13:57
